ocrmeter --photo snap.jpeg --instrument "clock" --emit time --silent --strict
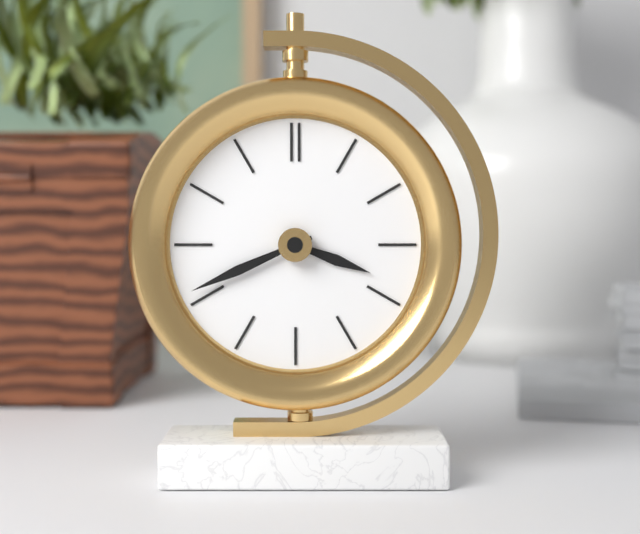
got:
3:41
